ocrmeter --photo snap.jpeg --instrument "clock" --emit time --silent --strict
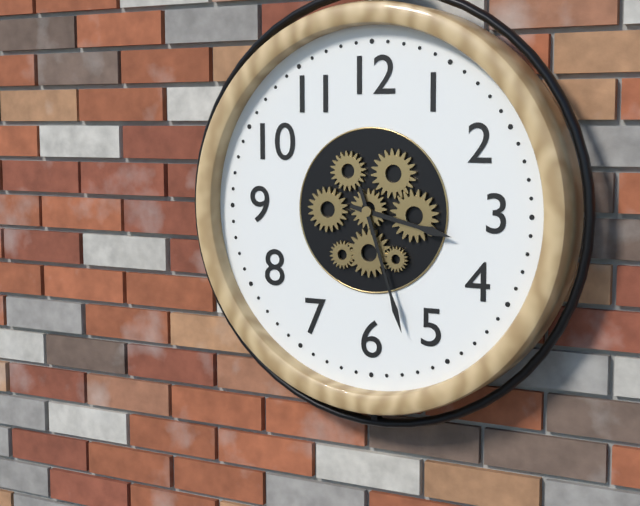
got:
3:27
